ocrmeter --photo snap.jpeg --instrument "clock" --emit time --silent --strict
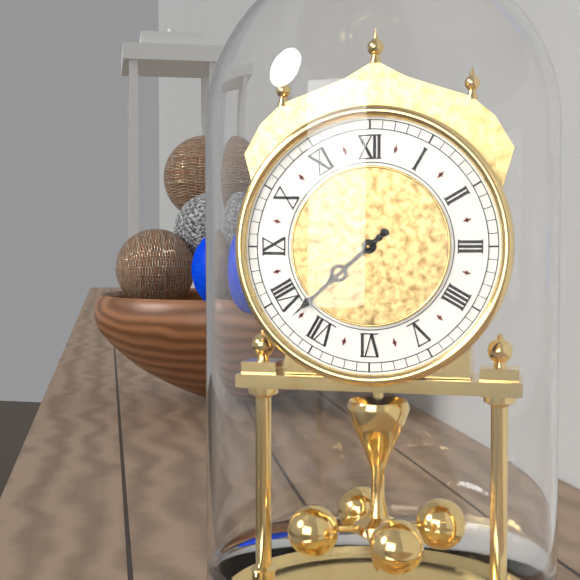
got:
7:38
